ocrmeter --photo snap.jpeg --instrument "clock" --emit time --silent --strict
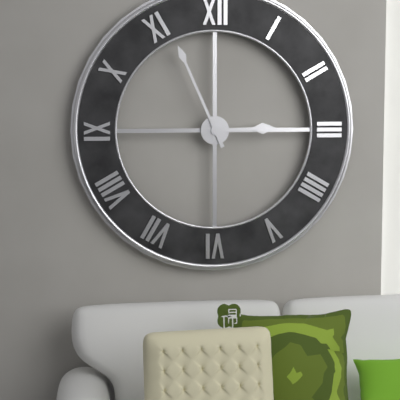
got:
2:56
